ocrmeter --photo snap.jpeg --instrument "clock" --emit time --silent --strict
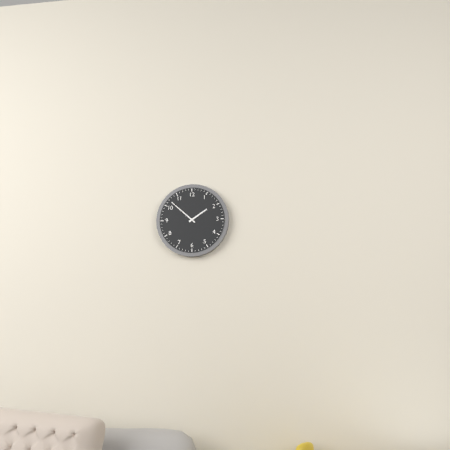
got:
1:52
